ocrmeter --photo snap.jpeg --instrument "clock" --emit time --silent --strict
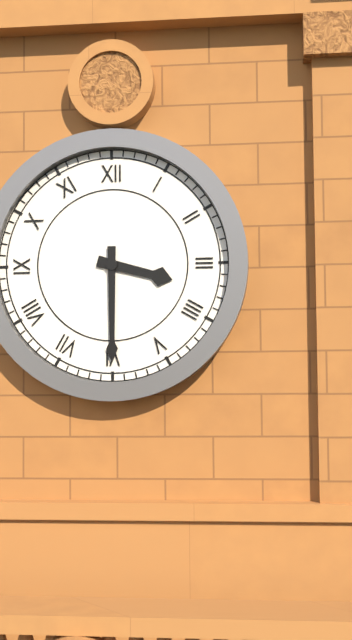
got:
3:30
